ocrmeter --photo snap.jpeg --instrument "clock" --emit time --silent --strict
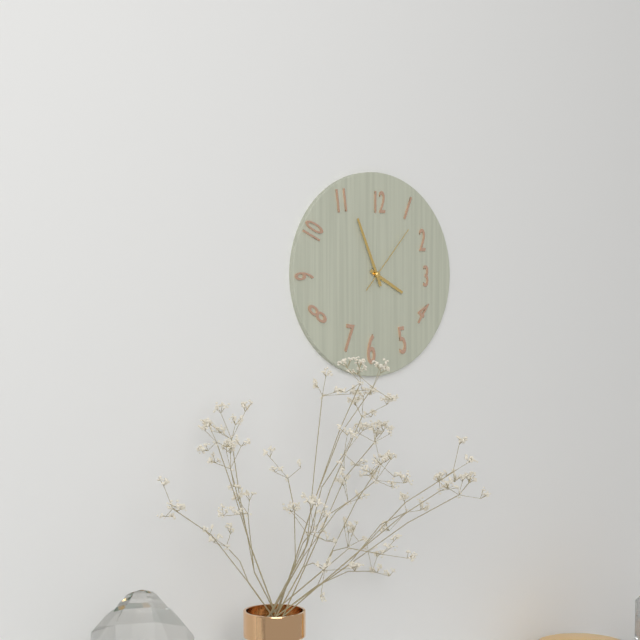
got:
3:56:07
